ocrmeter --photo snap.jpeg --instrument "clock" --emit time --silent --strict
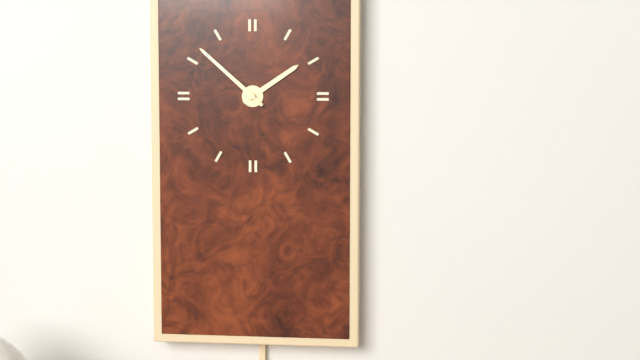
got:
1:52
